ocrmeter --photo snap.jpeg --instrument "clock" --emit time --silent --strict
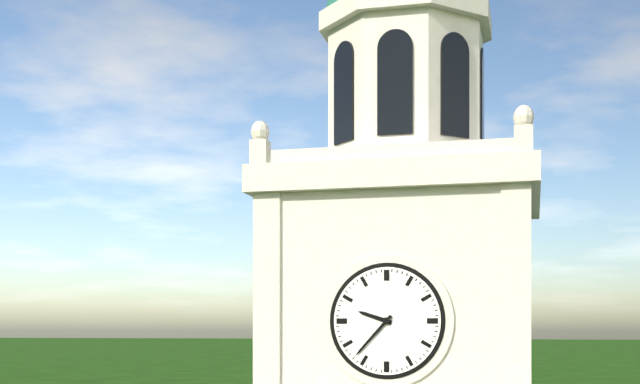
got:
9:37
